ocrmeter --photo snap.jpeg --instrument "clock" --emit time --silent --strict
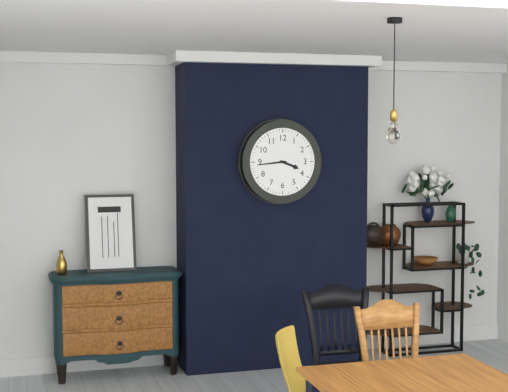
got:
3:44
